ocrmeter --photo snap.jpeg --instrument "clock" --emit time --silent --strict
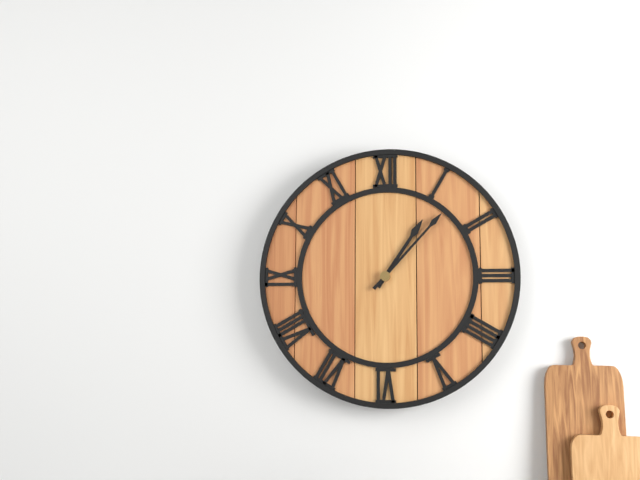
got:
1:07
